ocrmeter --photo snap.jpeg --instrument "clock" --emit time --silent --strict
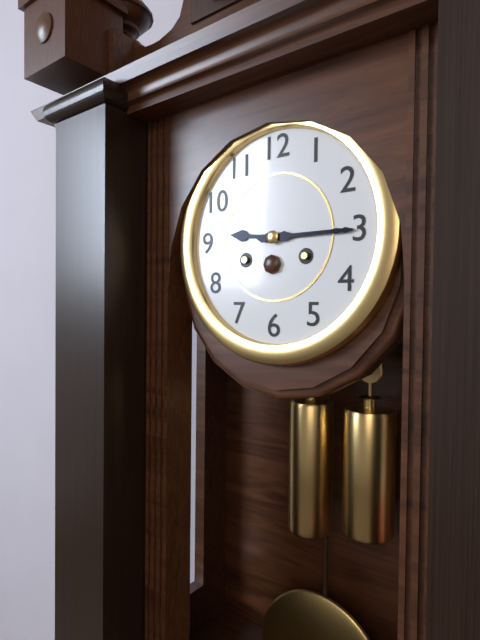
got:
9:15
